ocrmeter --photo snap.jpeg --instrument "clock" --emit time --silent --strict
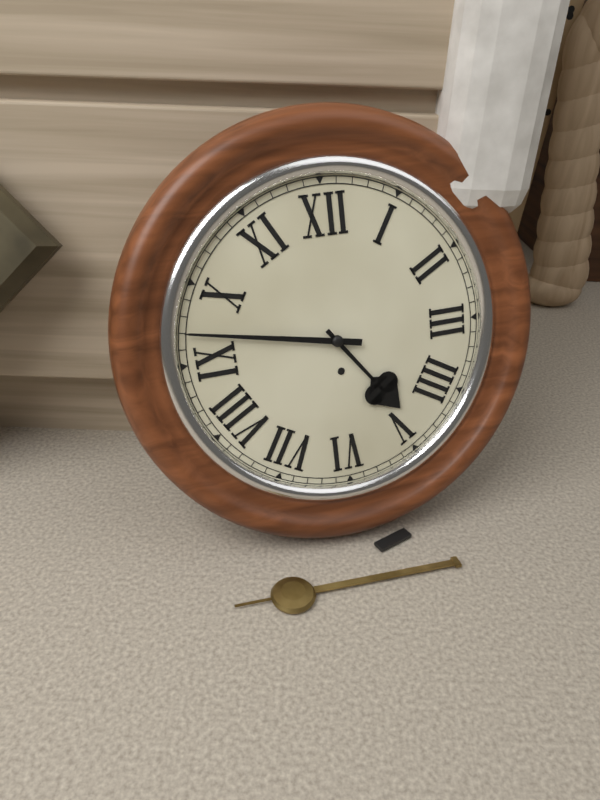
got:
4:47
